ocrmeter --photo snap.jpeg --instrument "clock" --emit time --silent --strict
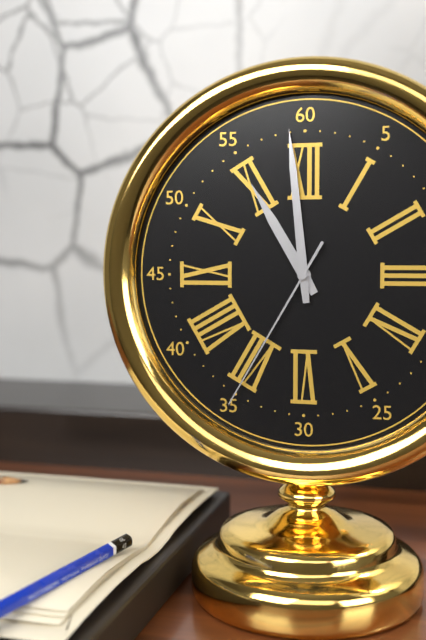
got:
10:59:35
